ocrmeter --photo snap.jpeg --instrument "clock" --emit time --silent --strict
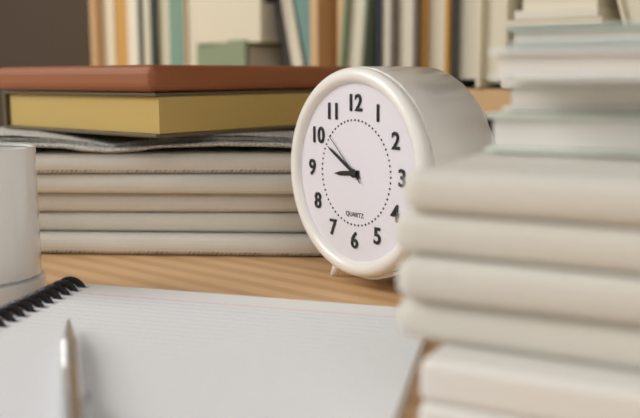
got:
8:50:52
